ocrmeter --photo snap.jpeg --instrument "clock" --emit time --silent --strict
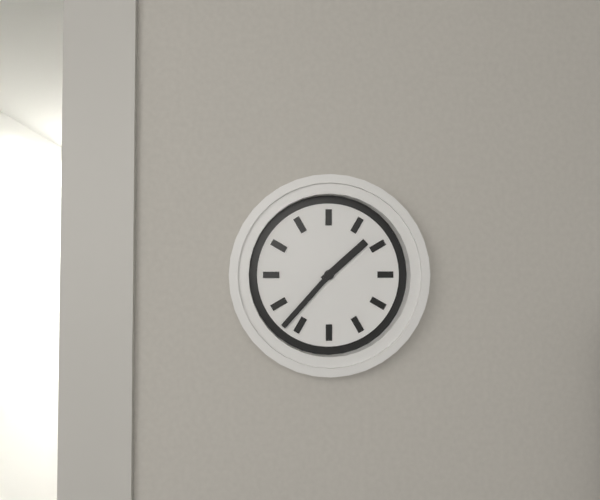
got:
1:37
